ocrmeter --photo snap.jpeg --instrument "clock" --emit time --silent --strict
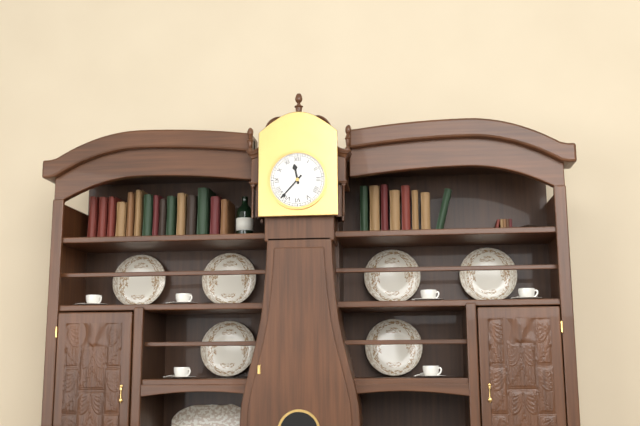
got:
11:37
